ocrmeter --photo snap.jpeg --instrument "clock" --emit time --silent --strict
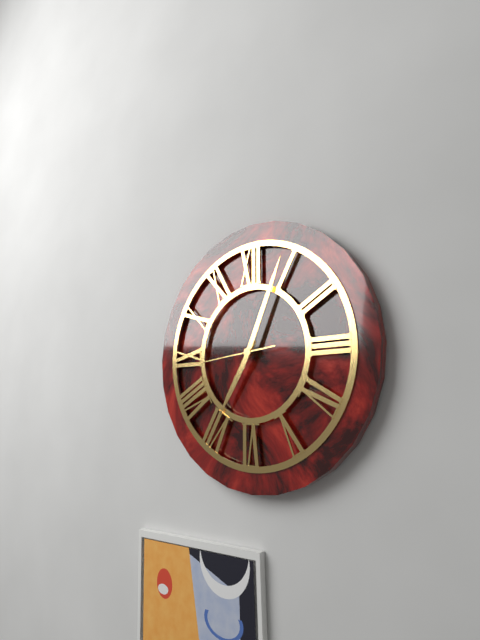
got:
7:04:44
